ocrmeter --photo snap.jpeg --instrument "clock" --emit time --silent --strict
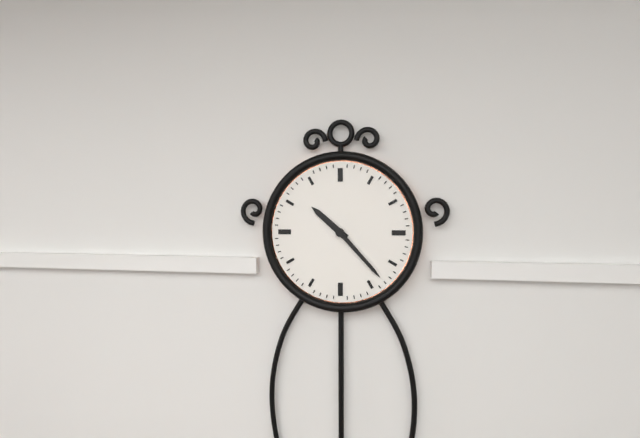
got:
10:23
